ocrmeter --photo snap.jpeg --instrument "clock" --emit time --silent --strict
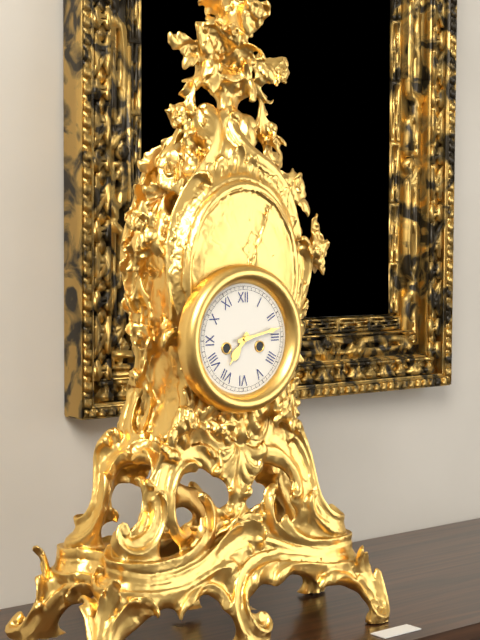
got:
7:13
